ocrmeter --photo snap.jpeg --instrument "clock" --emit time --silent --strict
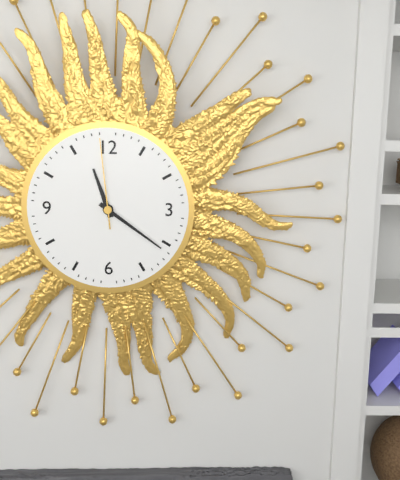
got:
11:21:59
